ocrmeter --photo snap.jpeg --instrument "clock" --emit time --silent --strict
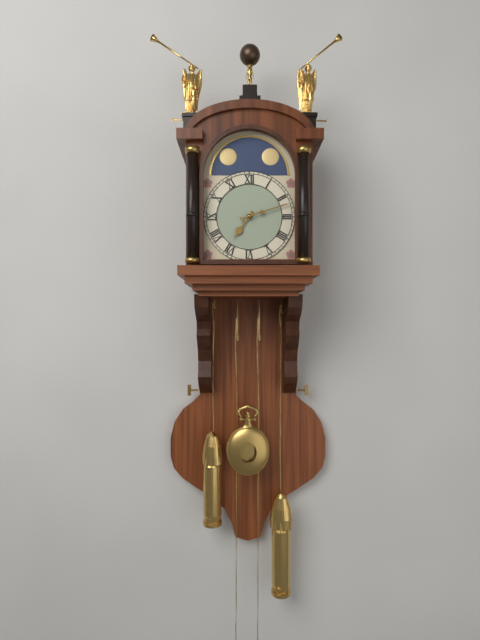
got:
7:12
